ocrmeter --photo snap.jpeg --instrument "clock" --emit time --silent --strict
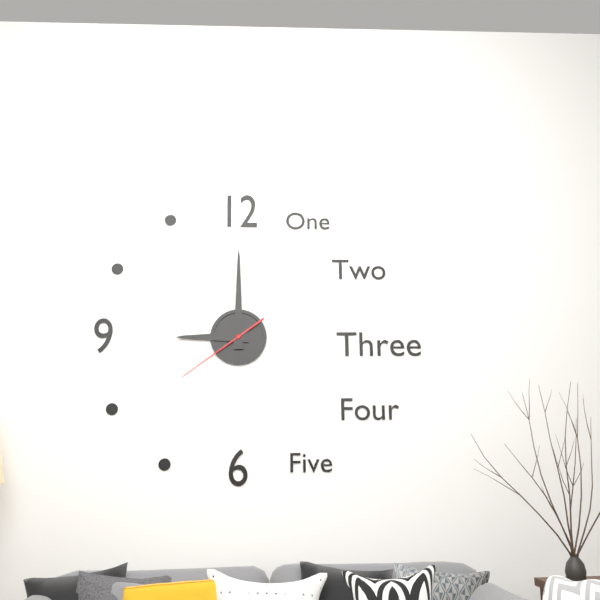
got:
9:00:39
